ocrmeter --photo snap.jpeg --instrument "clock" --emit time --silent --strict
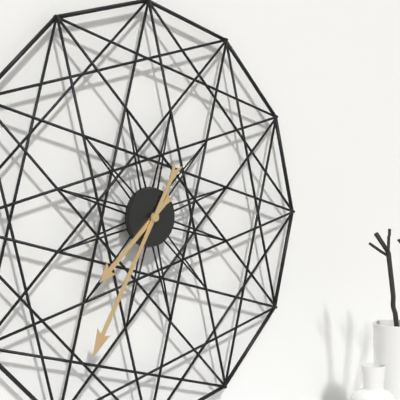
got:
7:35
